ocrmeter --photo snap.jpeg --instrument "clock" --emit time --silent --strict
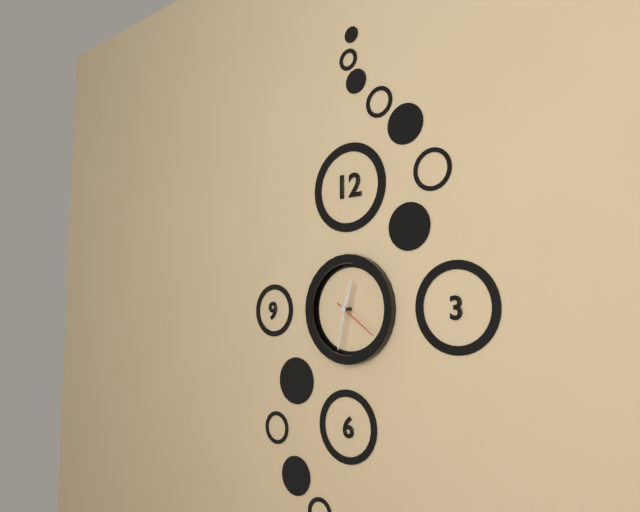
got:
12:32
